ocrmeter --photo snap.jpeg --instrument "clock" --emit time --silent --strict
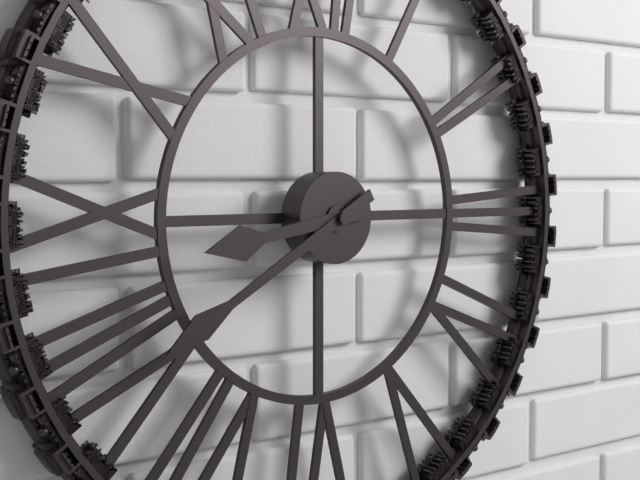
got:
8:40
